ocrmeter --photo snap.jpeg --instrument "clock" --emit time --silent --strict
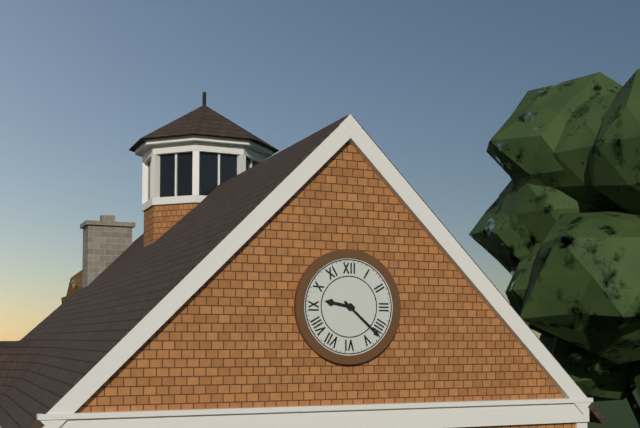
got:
9:22
